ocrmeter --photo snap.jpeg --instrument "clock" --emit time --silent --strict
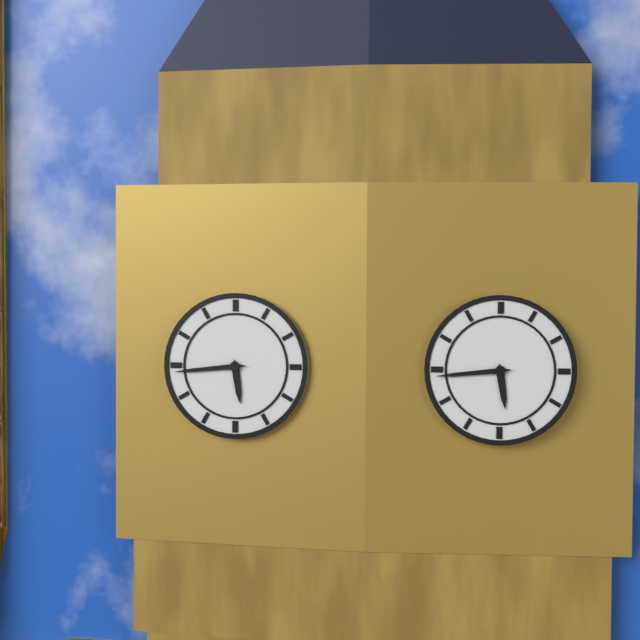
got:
5:44
